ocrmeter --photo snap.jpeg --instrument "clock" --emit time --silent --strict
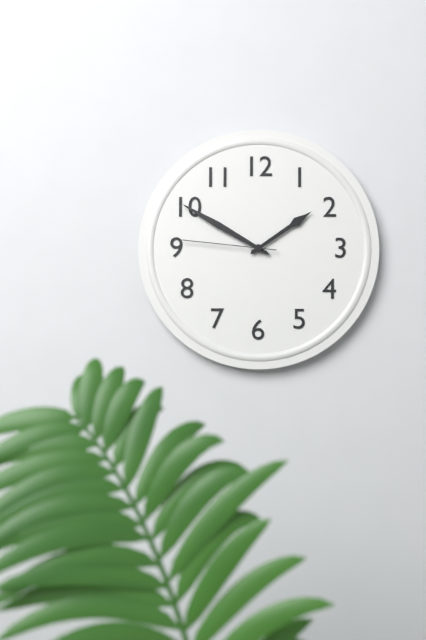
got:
1:50:46
